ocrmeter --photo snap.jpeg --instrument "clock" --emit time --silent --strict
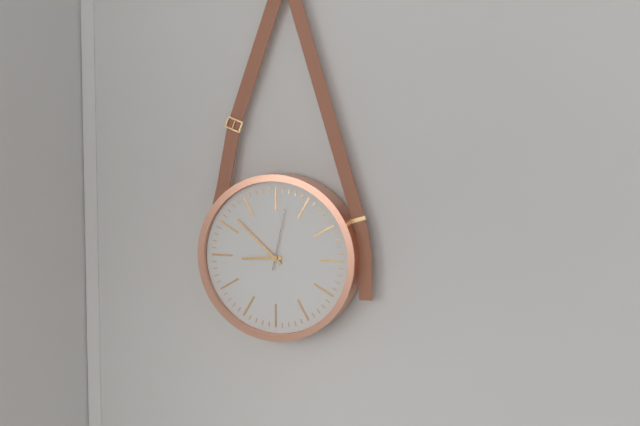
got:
8:52:02
